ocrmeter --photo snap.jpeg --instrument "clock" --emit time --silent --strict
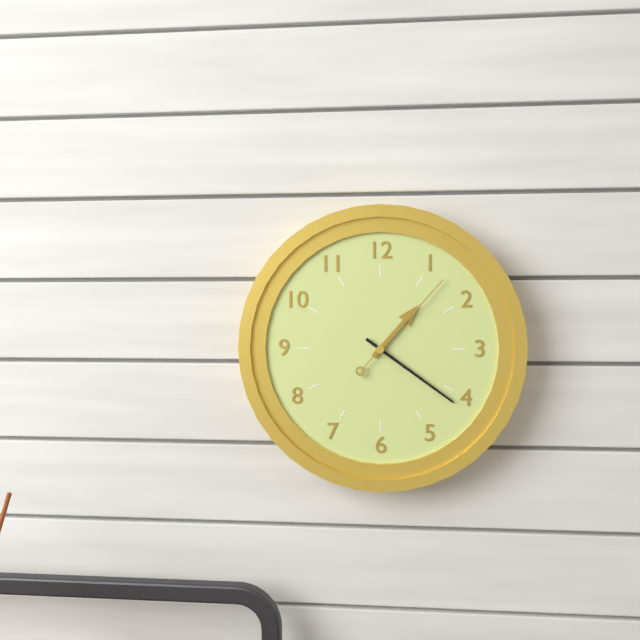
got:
1:21:07
